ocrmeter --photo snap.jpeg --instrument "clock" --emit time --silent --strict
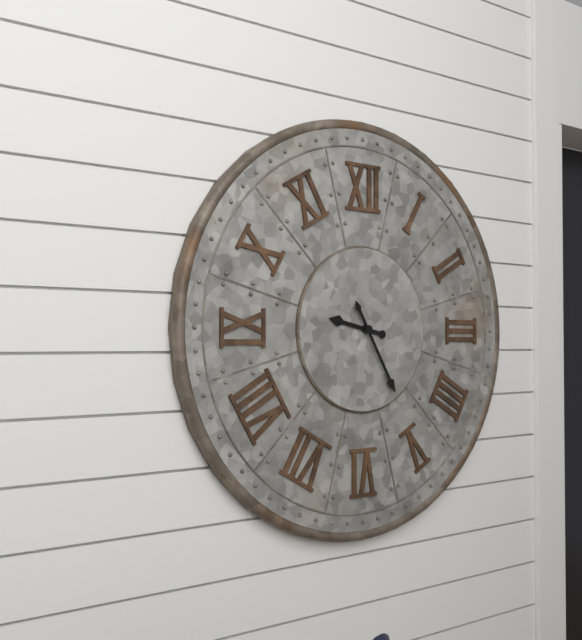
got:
9:25
